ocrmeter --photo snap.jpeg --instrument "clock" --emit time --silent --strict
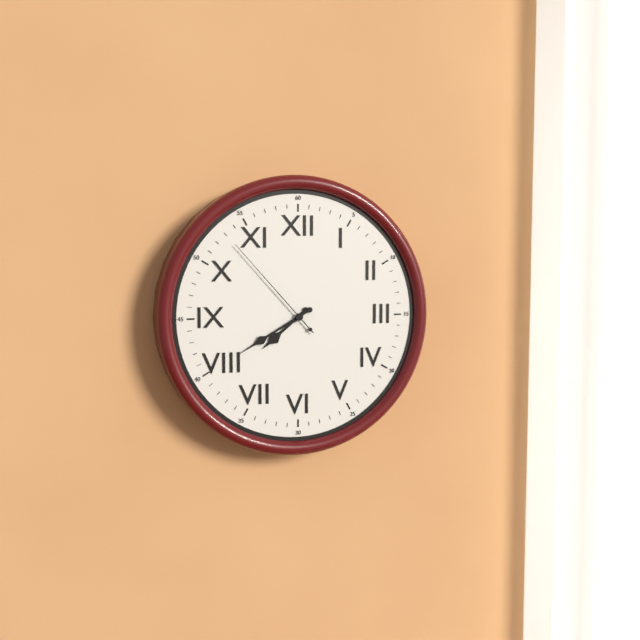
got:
7:40:53
